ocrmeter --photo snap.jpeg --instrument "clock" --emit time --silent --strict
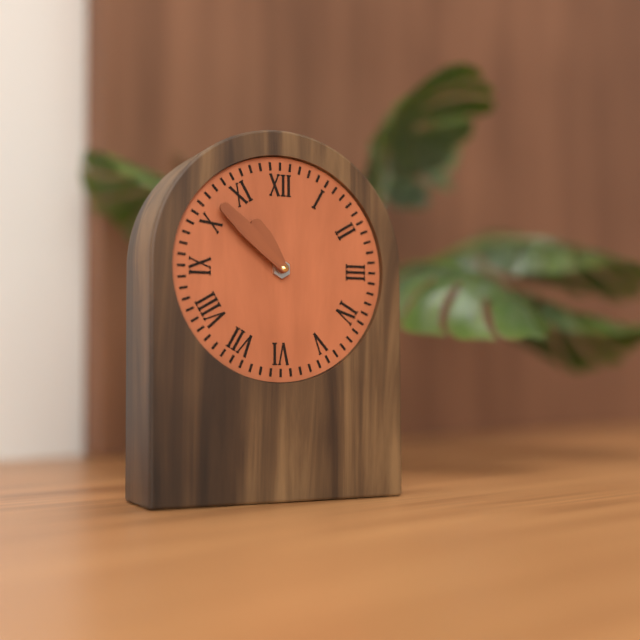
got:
10:52
